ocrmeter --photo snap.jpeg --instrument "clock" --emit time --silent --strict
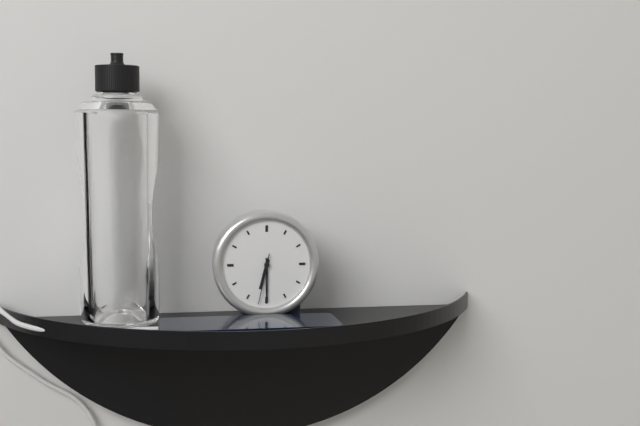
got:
6:30:32
